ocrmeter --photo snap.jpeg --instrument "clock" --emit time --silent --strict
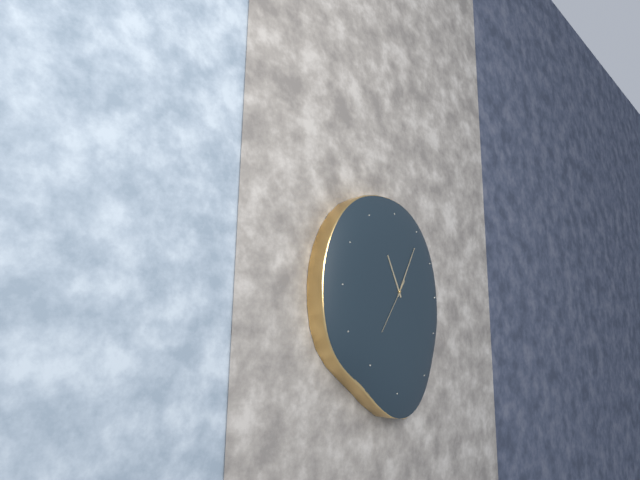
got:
11:05:36
